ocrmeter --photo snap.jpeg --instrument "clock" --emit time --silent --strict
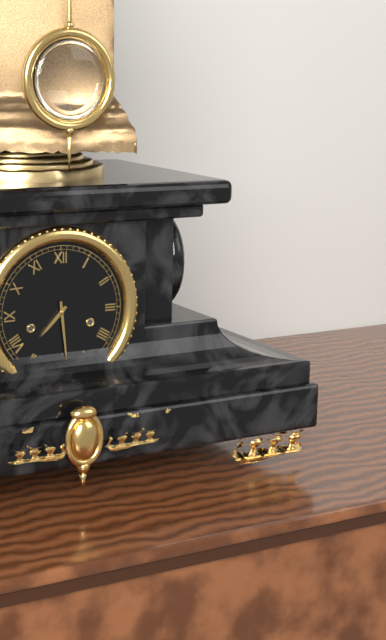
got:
7:29
